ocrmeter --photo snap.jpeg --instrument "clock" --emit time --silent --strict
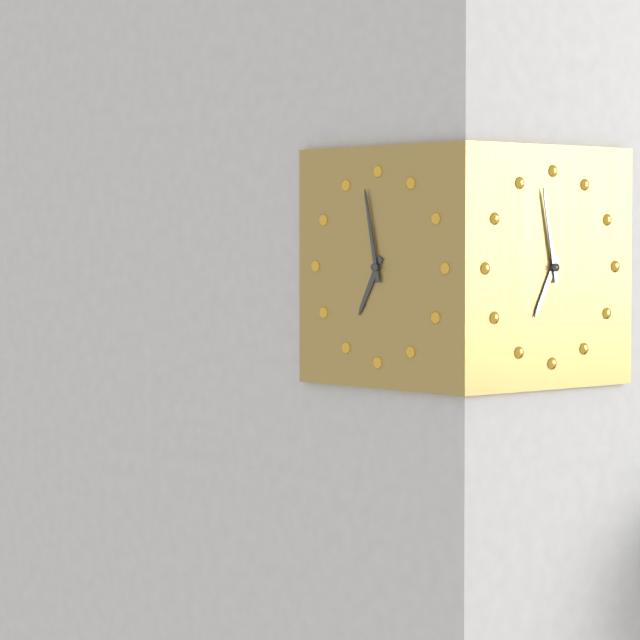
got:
6:58
